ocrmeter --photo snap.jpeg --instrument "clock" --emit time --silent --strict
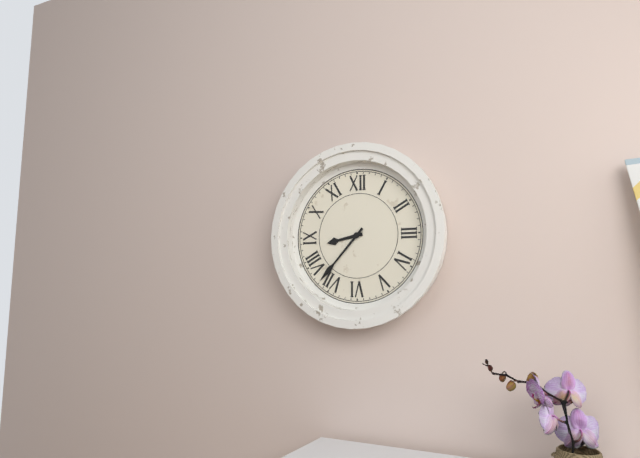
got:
8:37
